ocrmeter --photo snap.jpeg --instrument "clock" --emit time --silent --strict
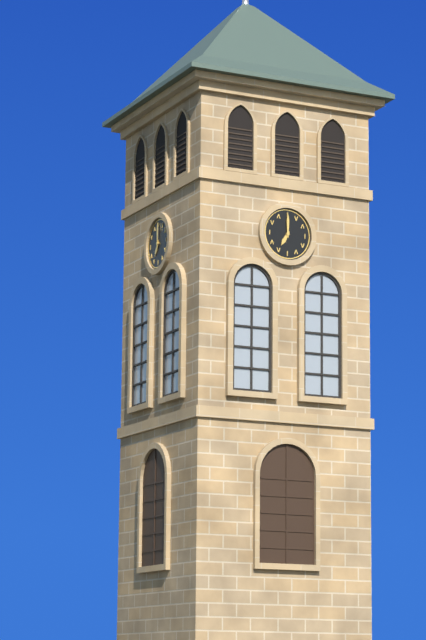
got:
7:00
